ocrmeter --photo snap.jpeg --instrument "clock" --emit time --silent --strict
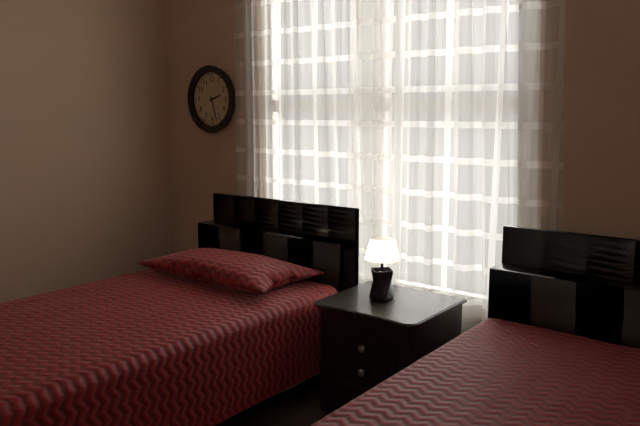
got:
2:27
